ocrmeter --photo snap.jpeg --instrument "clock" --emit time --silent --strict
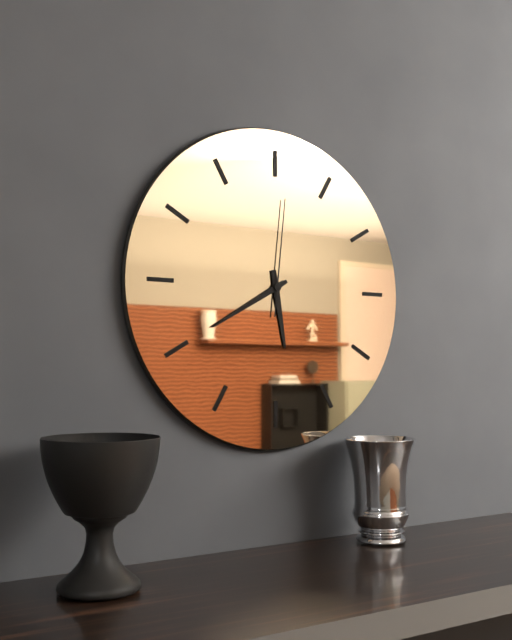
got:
5:40:01
